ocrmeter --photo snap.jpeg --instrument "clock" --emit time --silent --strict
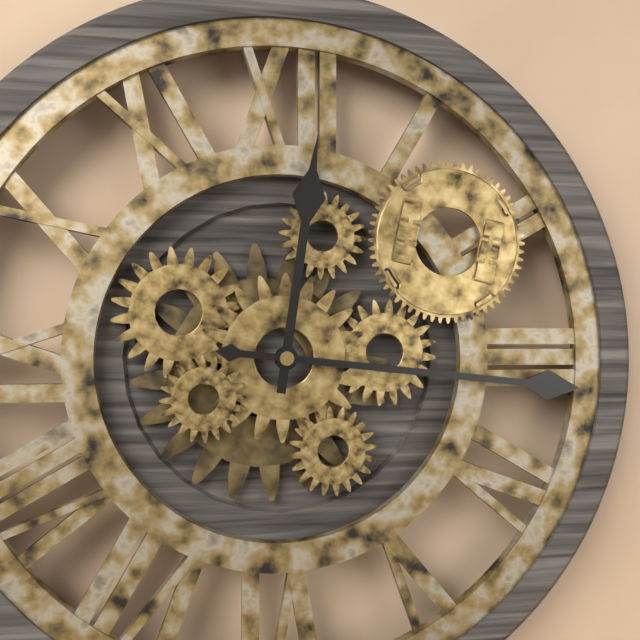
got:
12:16
